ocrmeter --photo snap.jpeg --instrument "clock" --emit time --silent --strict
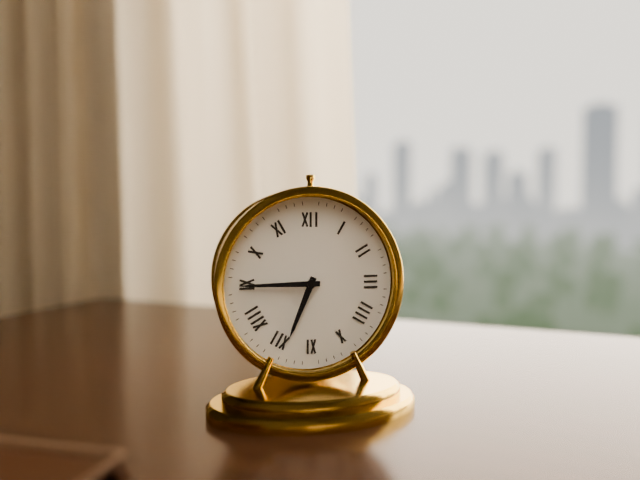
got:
6:45
